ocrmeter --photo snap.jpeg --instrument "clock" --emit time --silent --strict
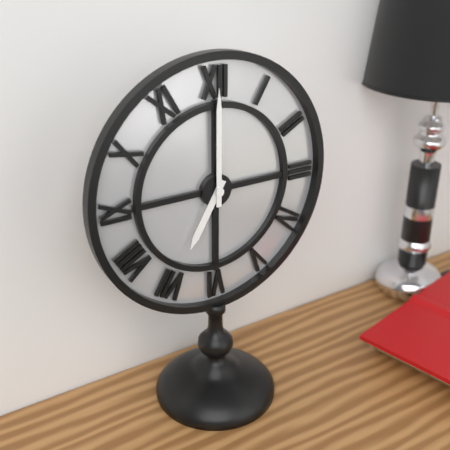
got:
7:00
